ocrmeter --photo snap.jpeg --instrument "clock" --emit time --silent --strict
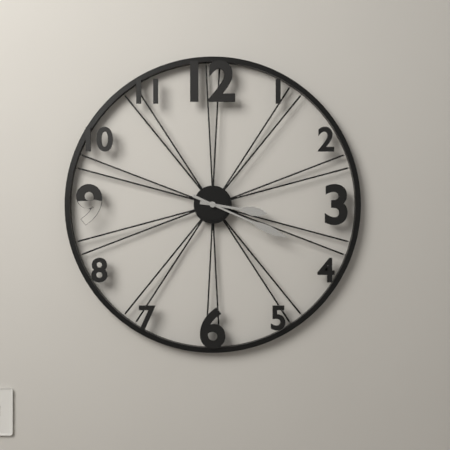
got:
3:19
